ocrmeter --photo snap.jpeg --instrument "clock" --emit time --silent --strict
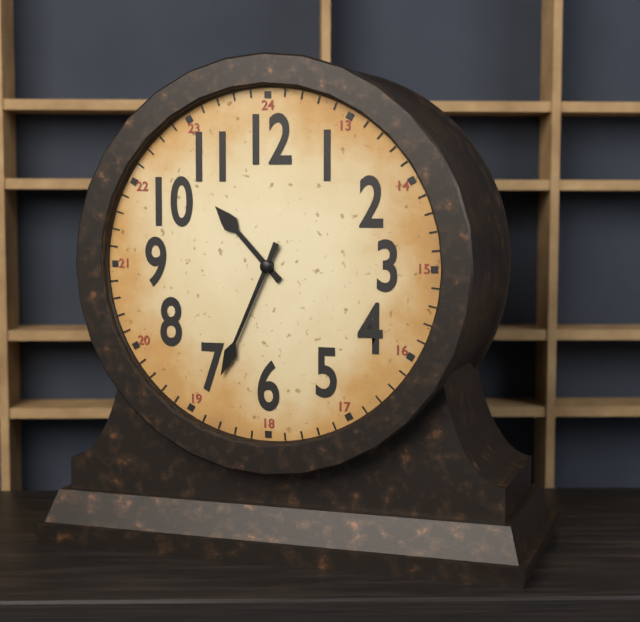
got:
10:34
